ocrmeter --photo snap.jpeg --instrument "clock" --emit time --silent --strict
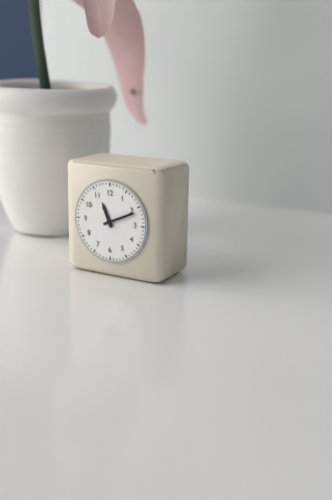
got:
11:11
